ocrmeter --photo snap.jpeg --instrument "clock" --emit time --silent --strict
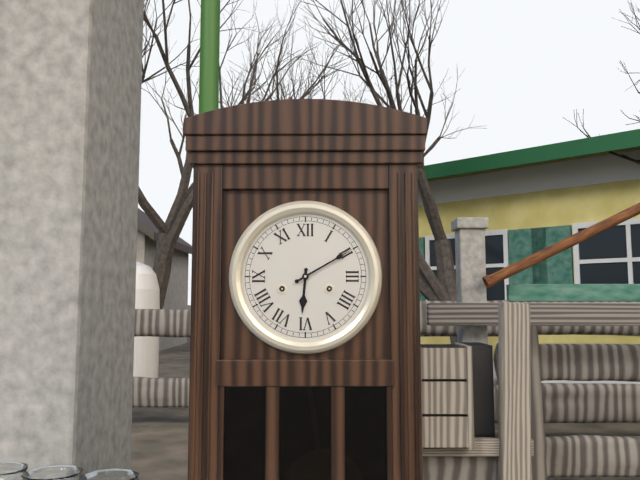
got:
6:10
